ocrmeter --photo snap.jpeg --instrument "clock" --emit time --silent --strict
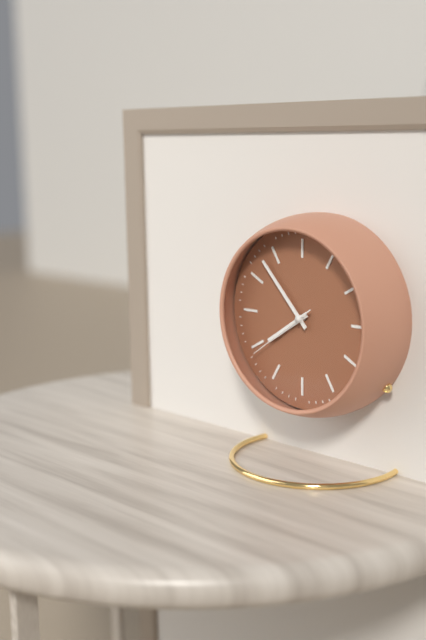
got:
7:53:39
